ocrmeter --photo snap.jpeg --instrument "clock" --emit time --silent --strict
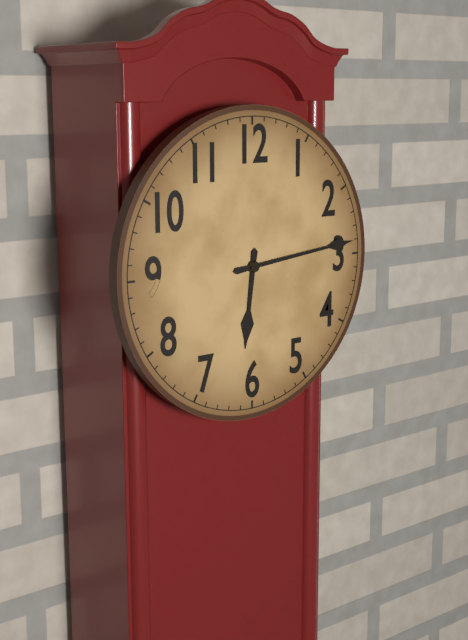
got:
6:14
